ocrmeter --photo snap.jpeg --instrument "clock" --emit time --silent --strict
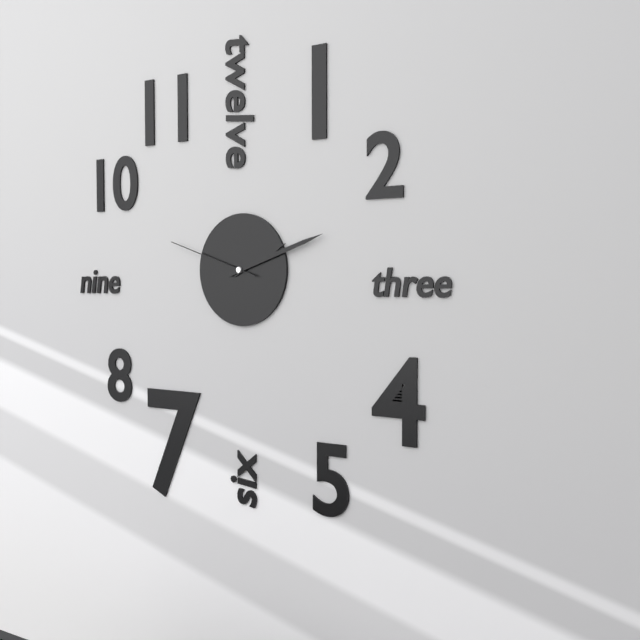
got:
2:12:48
